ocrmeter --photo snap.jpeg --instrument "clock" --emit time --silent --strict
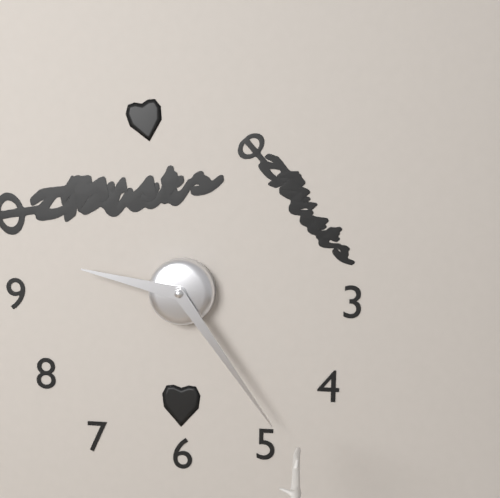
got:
9:24
